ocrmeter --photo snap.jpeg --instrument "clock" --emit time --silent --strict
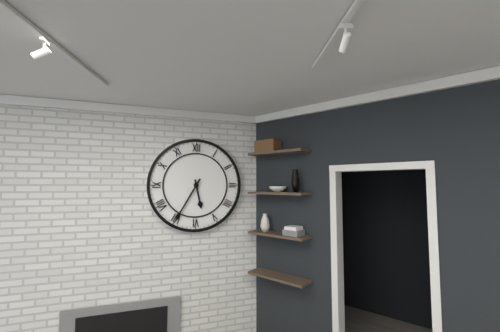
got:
5:35
